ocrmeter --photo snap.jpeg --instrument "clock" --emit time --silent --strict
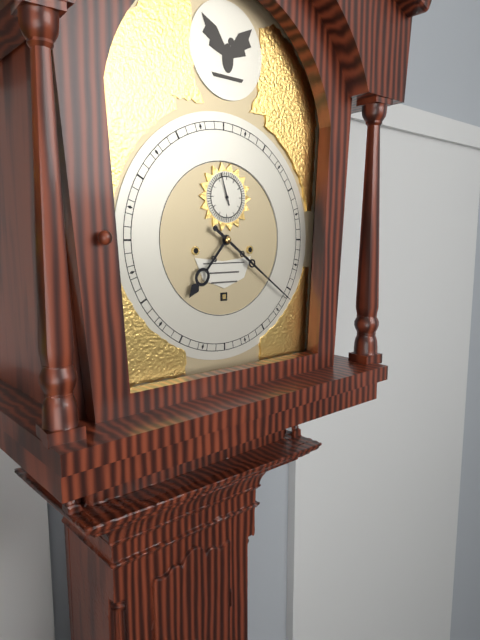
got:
7:21
